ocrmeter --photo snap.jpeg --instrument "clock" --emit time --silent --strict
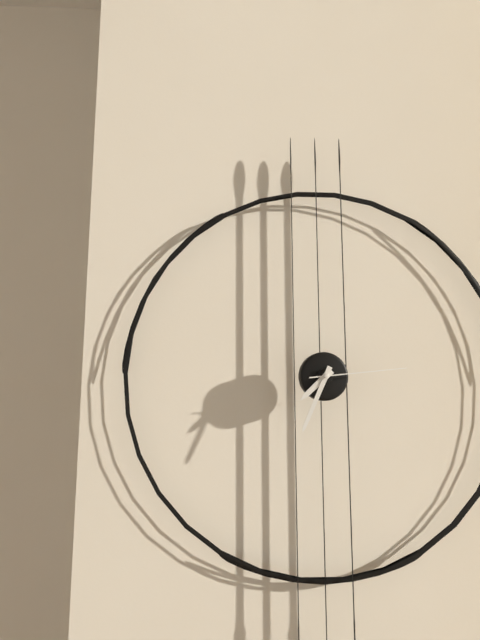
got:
7:34:14
